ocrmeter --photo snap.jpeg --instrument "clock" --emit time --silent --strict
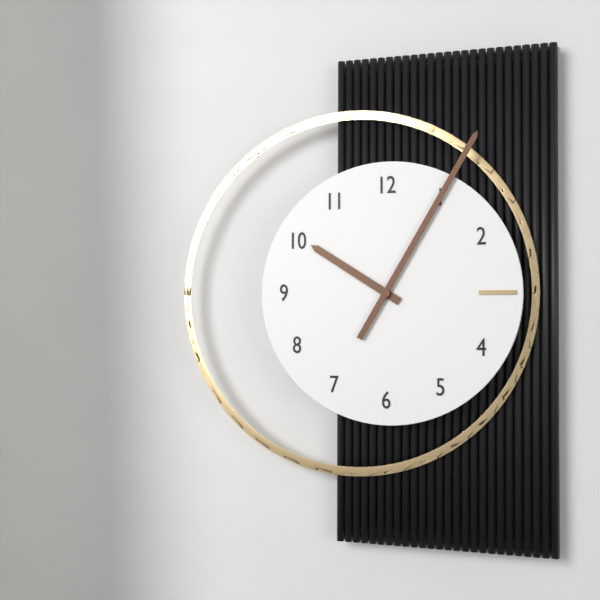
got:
10:05
